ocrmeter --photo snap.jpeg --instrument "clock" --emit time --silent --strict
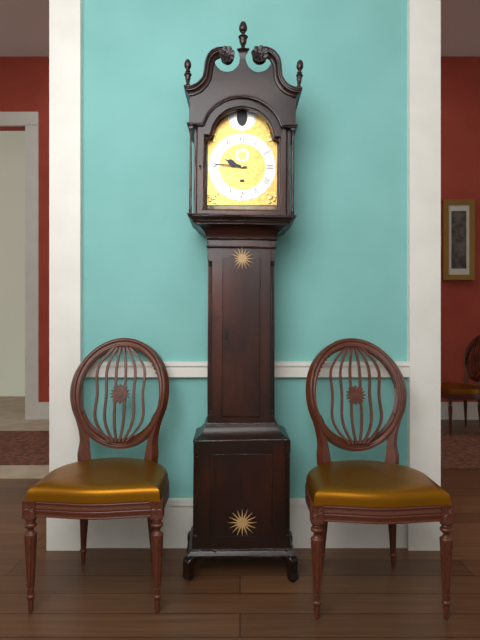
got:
9:46
